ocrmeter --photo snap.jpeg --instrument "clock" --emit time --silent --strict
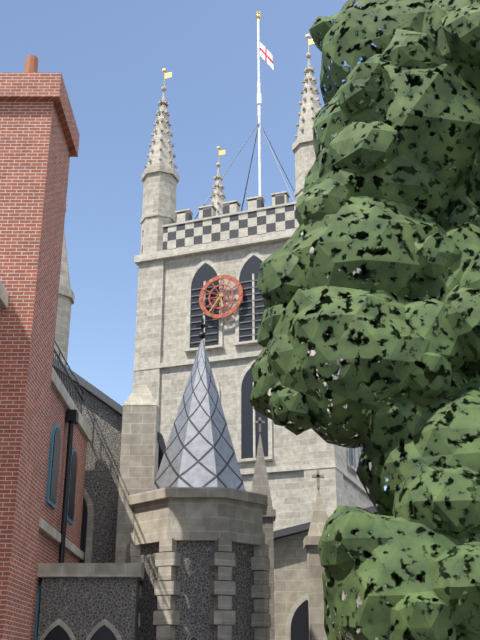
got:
5:36
